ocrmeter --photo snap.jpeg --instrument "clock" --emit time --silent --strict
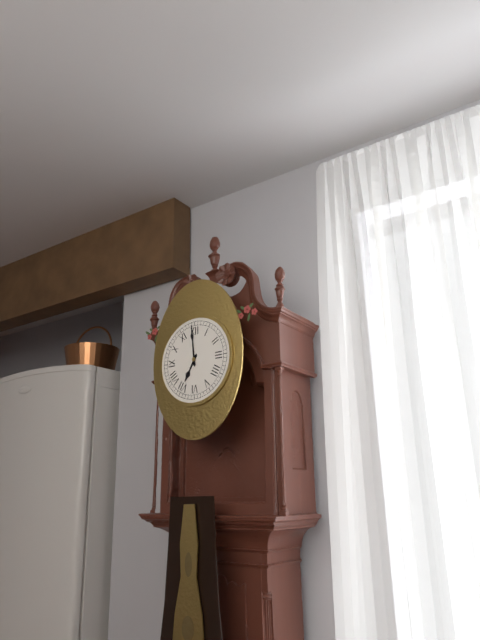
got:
6:59
